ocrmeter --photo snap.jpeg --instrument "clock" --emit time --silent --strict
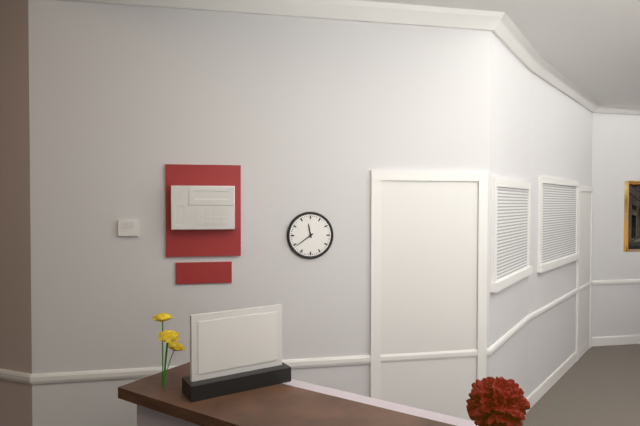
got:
11:39
